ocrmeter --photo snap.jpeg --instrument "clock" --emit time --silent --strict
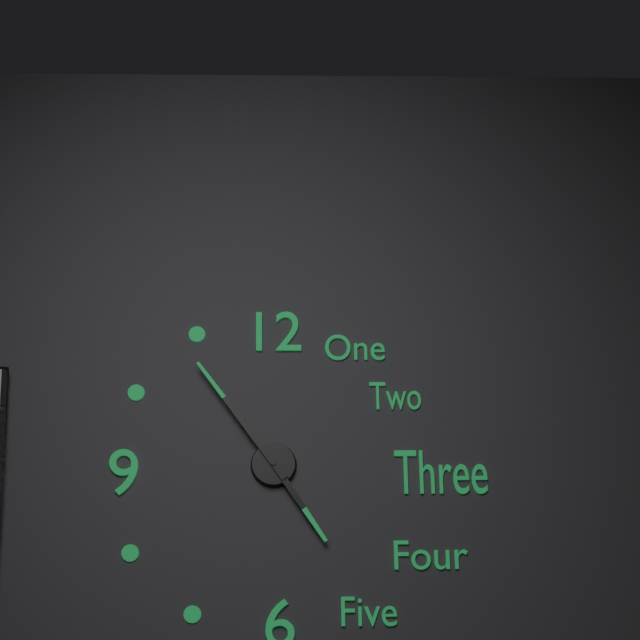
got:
4:54
